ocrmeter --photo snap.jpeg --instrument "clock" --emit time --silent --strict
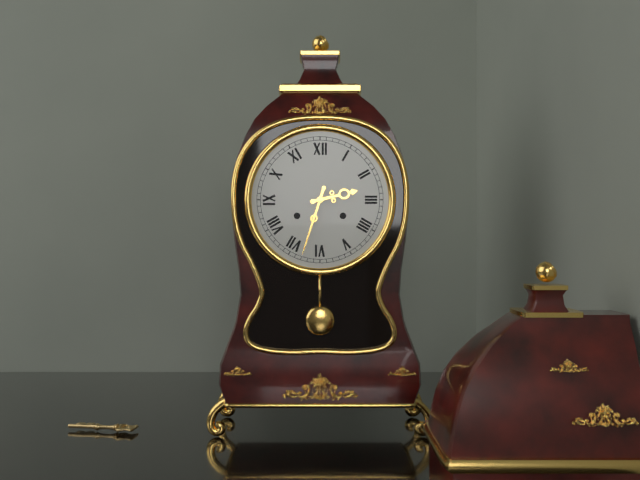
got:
2:33
